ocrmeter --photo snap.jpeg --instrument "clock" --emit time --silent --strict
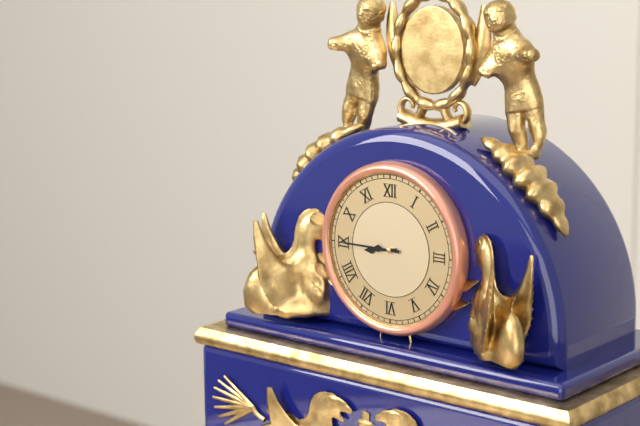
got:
8:45
